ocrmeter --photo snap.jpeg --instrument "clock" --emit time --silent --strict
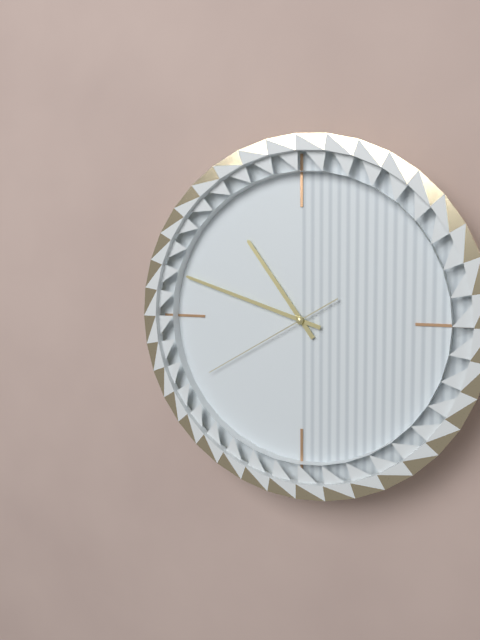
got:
10:48:40
